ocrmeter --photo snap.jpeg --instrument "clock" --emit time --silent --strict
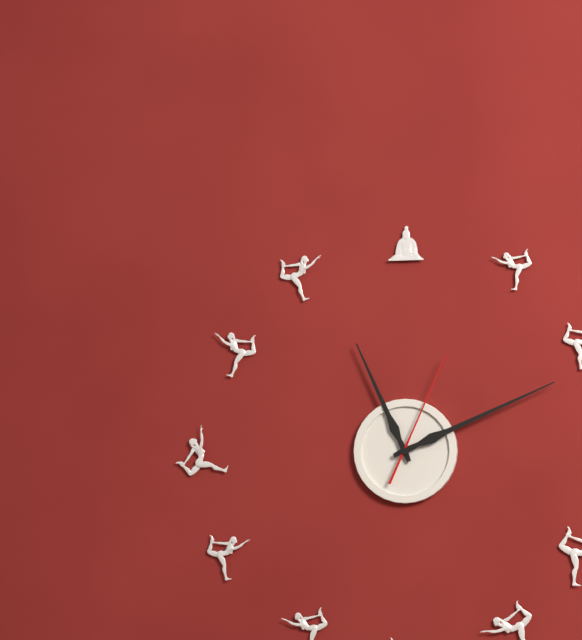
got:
11:11:04
